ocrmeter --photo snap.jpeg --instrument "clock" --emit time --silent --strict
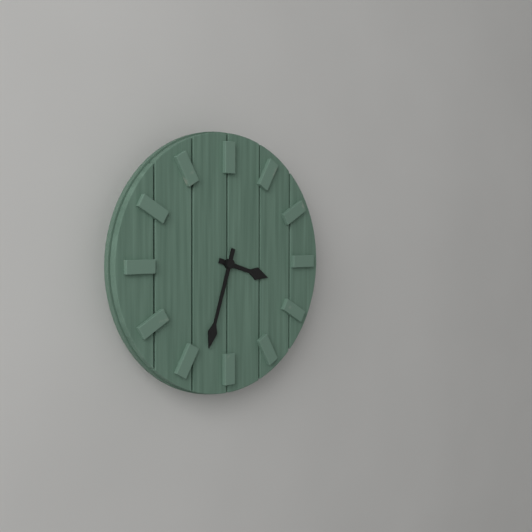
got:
3:33
